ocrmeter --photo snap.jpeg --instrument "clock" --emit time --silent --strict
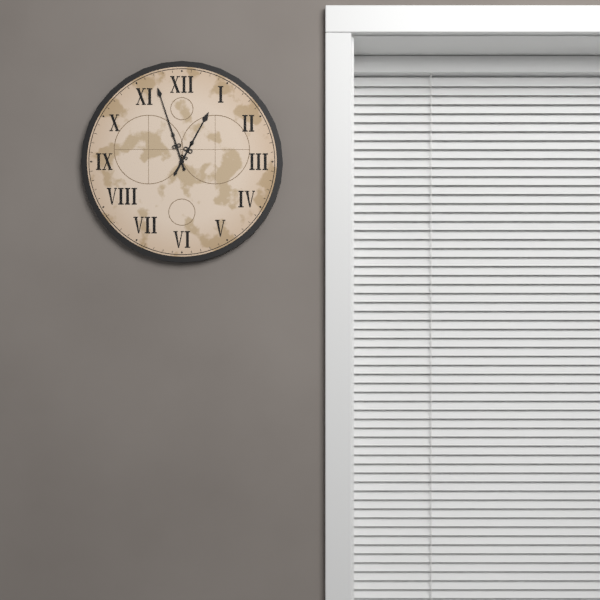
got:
12:57
